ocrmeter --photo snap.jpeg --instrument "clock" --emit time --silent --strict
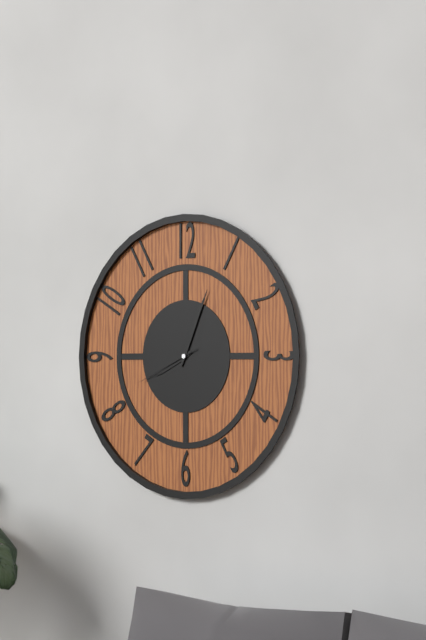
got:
8:04:41
